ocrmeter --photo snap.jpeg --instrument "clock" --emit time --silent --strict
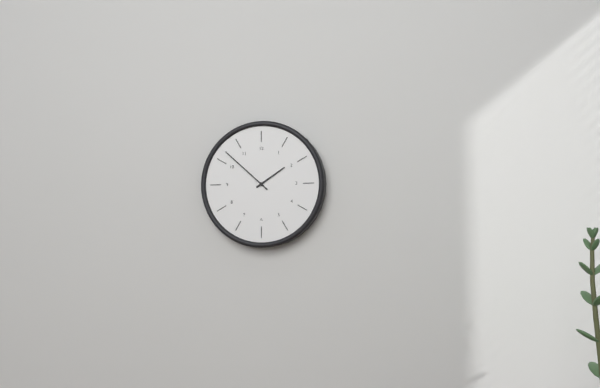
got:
1:52
